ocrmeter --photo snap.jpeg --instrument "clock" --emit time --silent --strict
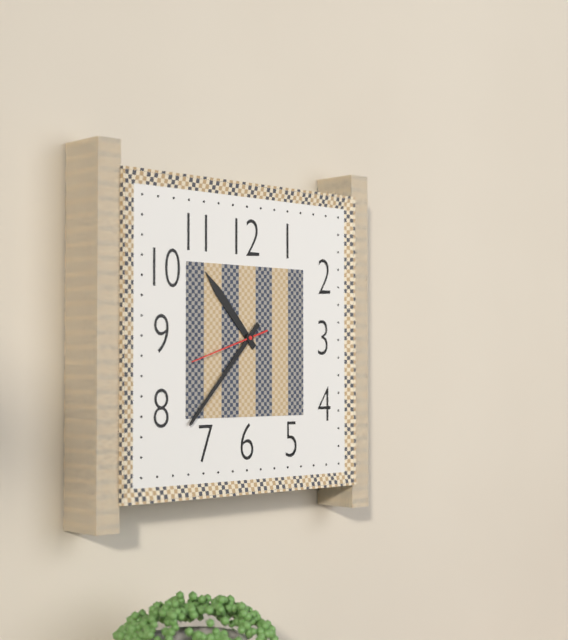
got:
10:37:42
